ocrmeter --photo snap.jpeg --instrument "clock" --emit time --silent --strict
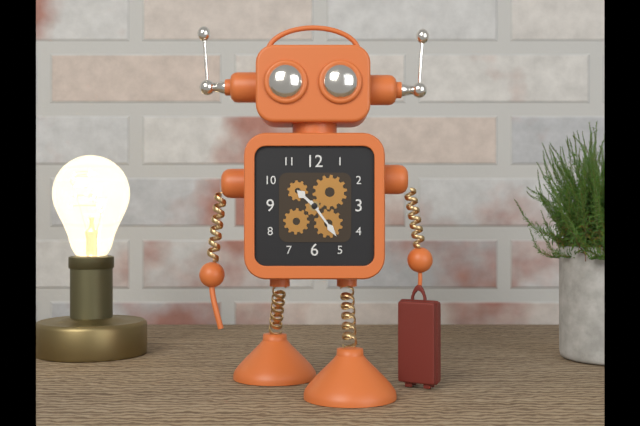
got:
10:24
